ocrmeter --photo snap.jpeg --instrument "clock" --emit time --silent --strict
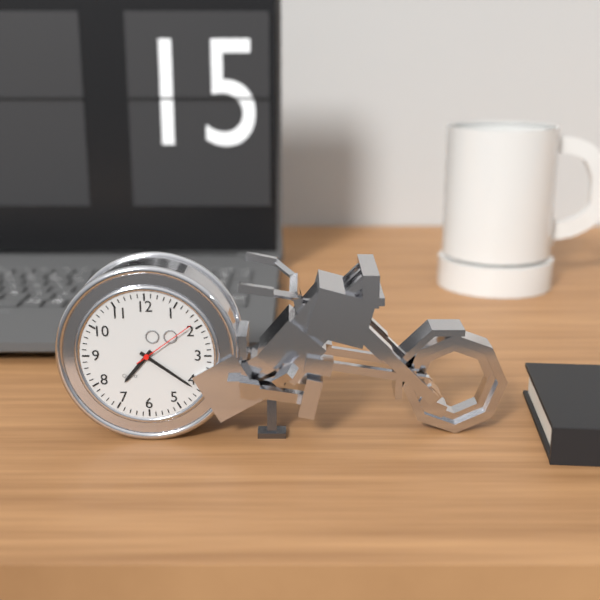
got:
7:21:09
